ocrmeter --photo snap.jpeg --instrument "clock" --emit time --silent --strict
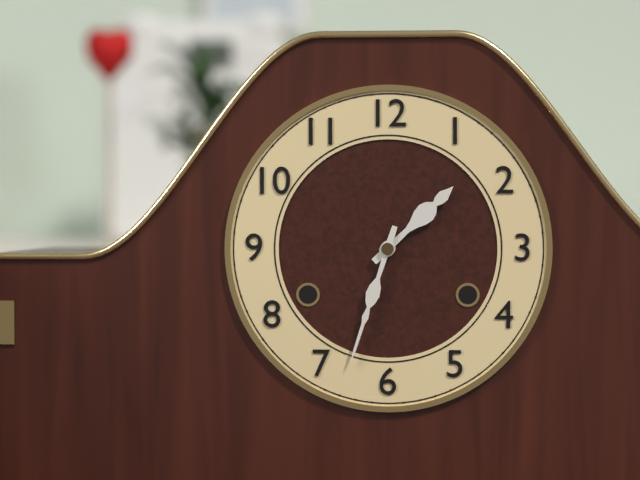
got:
1:33
